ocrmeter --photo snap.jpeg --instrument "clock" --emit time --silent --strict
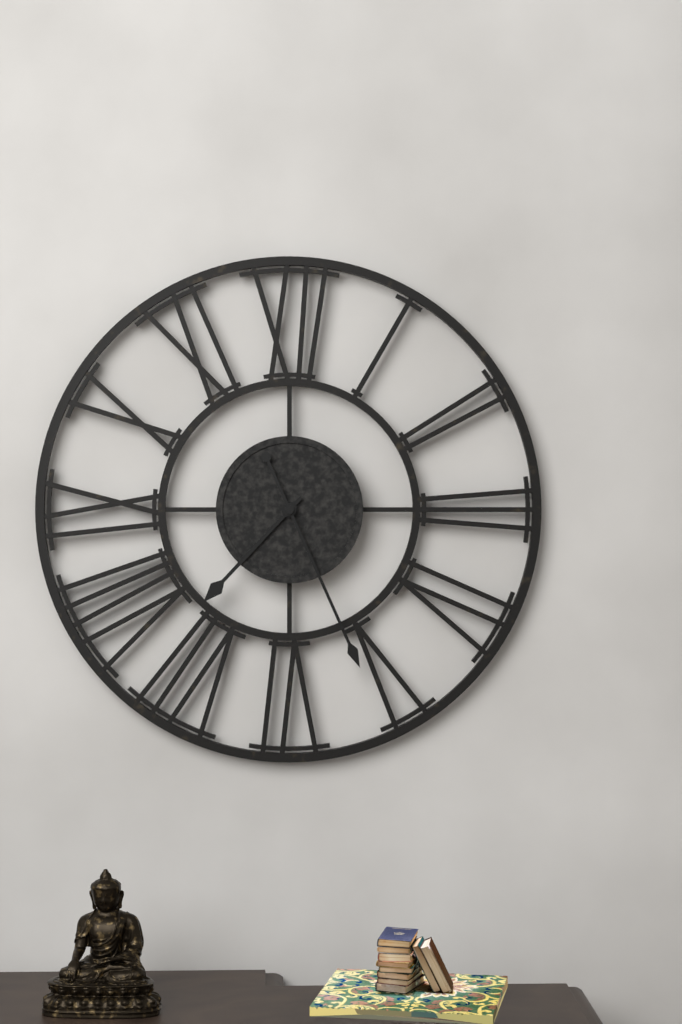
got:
7:26
